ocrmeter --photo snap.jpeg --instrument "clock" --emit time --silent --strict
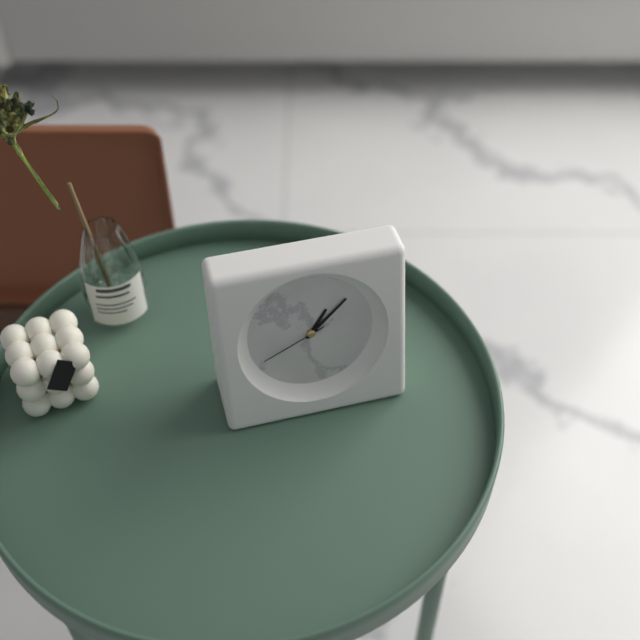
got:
1:08:41
